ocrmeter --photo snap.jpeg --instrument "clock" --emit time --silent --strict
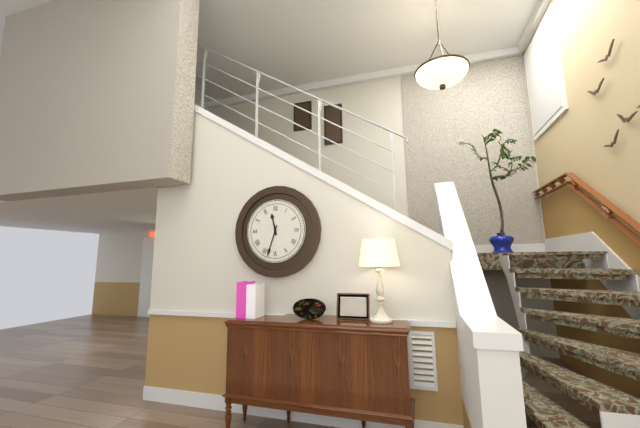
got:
11:33
